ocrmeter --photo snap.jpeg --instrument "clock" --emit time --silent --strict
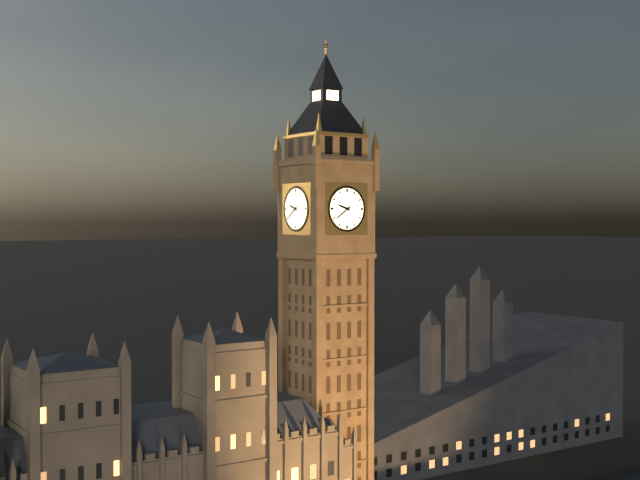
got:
9:39
